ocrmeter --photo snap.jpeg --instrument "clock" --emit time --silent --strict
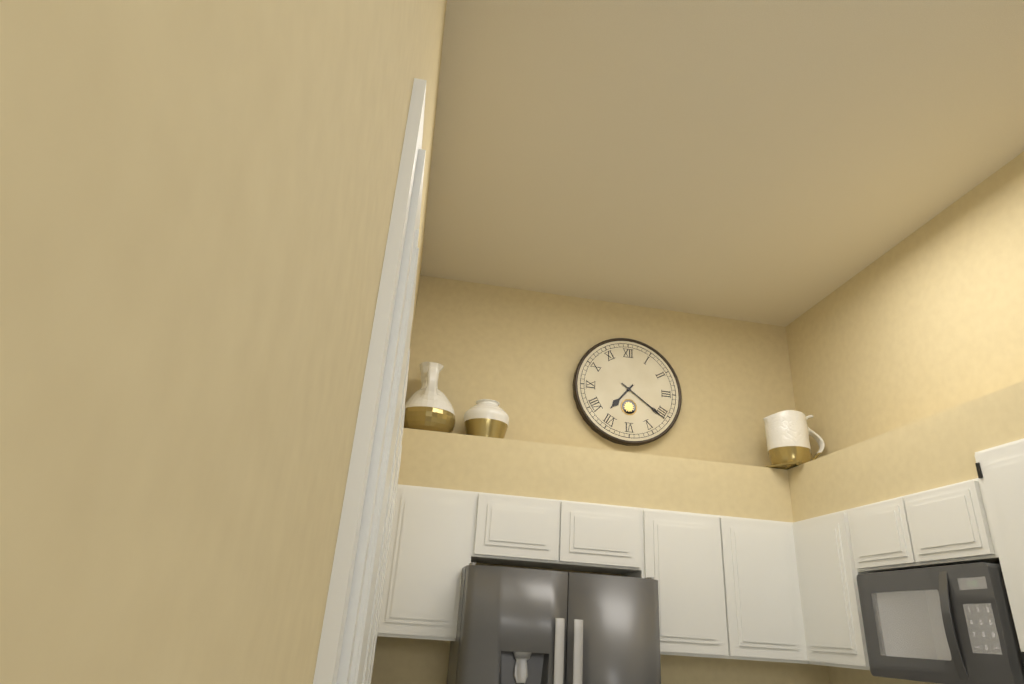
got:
7:21
